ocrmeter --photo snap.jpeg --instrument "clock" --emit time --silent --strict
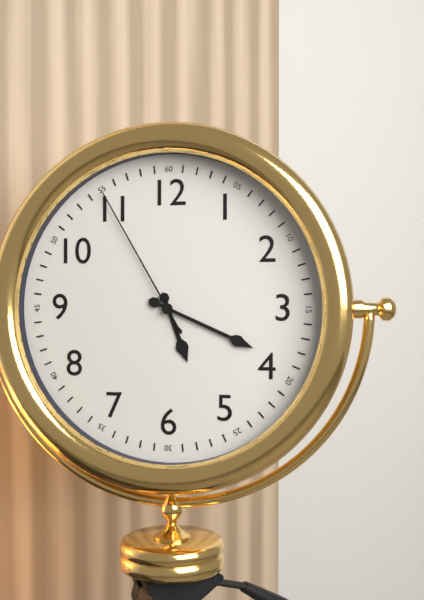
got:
5:19:55
